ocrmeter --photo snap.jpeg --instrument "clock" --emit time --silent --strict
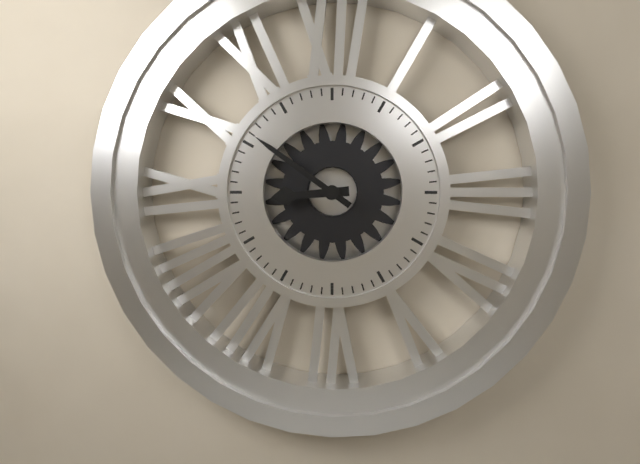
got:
8:51
